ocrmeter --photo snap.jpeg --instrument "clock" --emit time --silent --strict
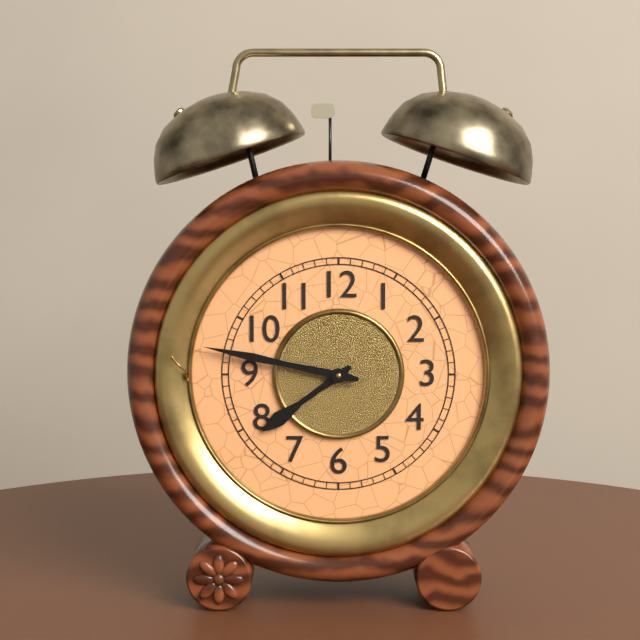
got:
7:47
